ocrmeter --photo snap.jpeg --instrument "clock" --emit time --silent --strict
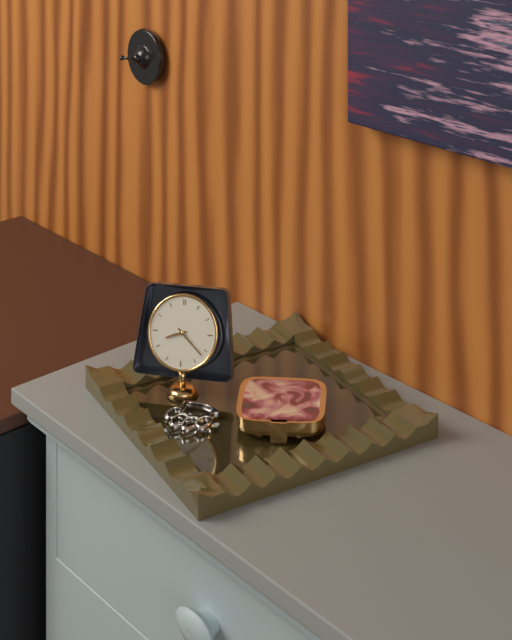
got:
8:22
